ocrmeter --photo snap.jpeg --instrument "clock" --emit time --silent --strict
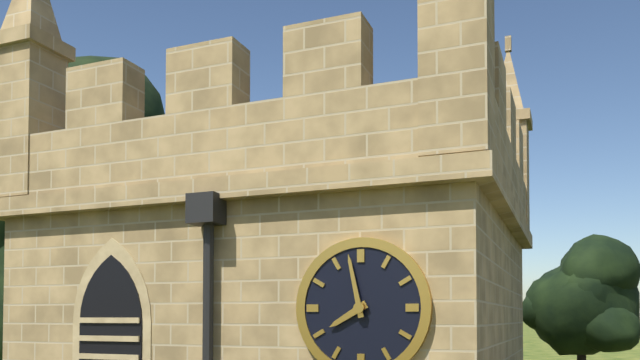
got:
7:58
